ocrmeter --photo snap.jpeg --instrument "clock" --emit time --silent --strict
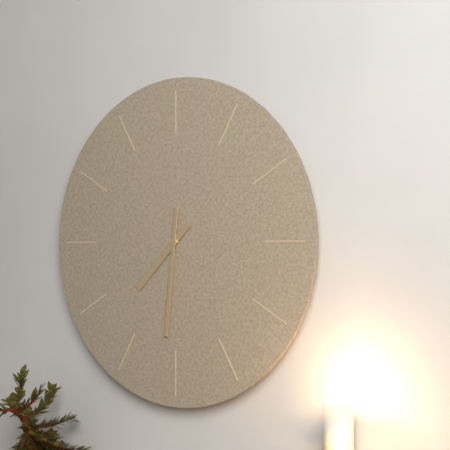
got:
7:31
